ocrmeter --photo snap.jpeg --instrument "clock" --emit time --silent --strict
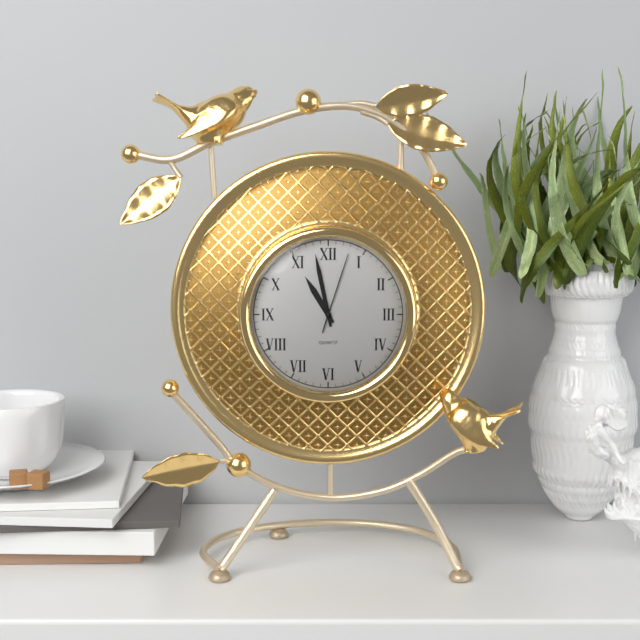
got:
10:58:03
